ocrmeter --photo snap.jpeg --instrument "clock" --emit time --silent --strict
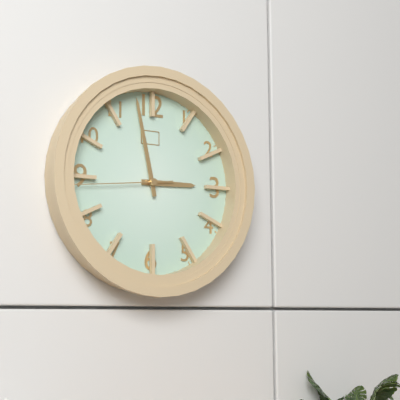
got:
2:58:44
